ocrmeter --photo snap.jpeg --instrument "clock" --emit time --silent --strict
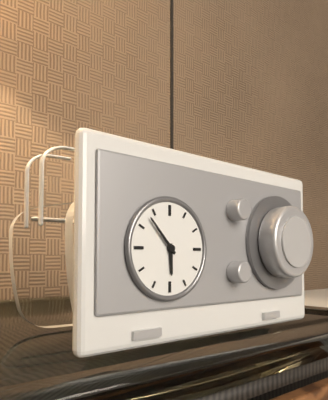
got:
5:53
